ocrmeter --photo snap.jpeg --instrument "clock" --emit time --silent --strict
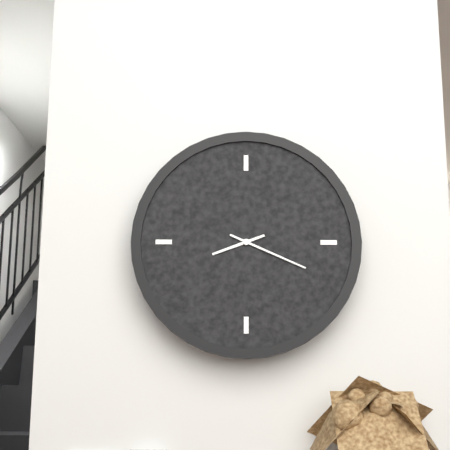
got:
8:19
